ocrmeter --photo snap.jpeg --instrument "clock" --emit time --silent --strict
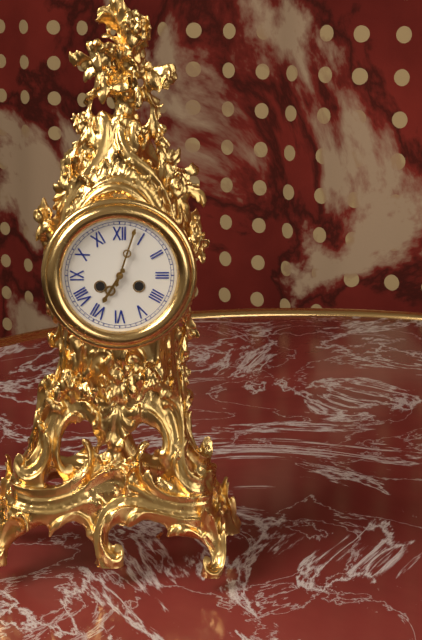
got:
7:03
